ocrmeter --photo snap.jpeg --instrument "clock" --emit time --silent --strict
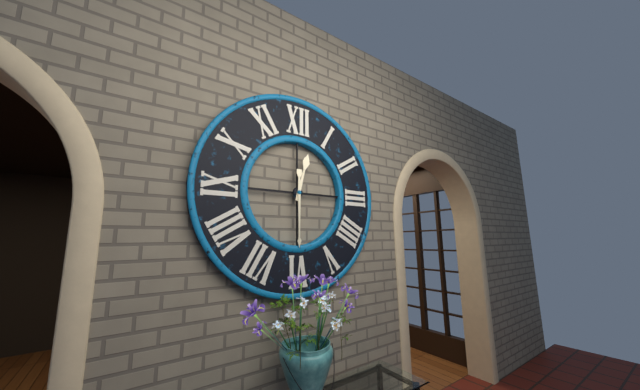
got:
12:30
